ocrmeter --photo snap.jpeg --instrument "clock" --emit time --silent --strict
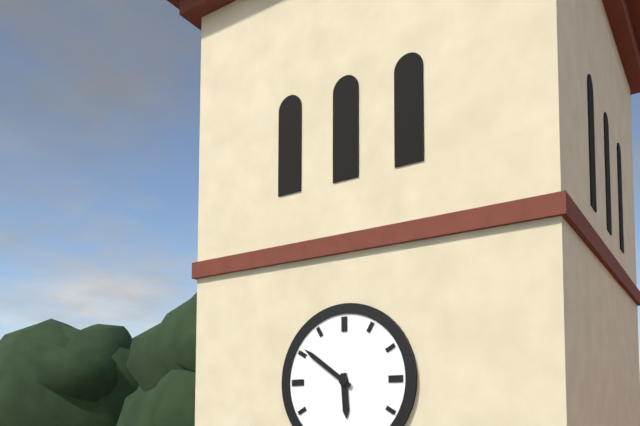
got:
5:51
